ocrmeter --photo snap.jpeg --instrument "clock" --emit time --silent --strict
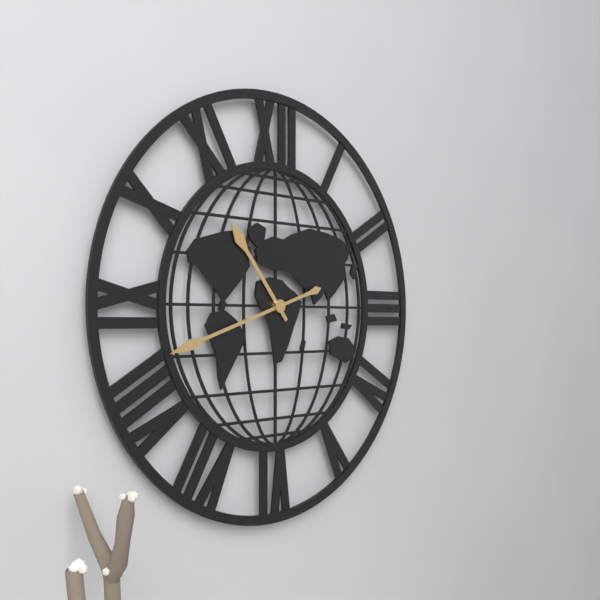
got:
10:42
